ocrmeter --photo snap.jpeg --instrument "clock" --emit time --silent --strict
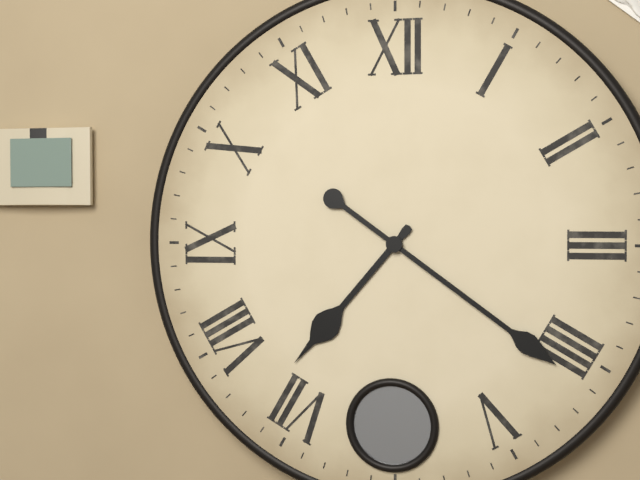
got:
7:21
